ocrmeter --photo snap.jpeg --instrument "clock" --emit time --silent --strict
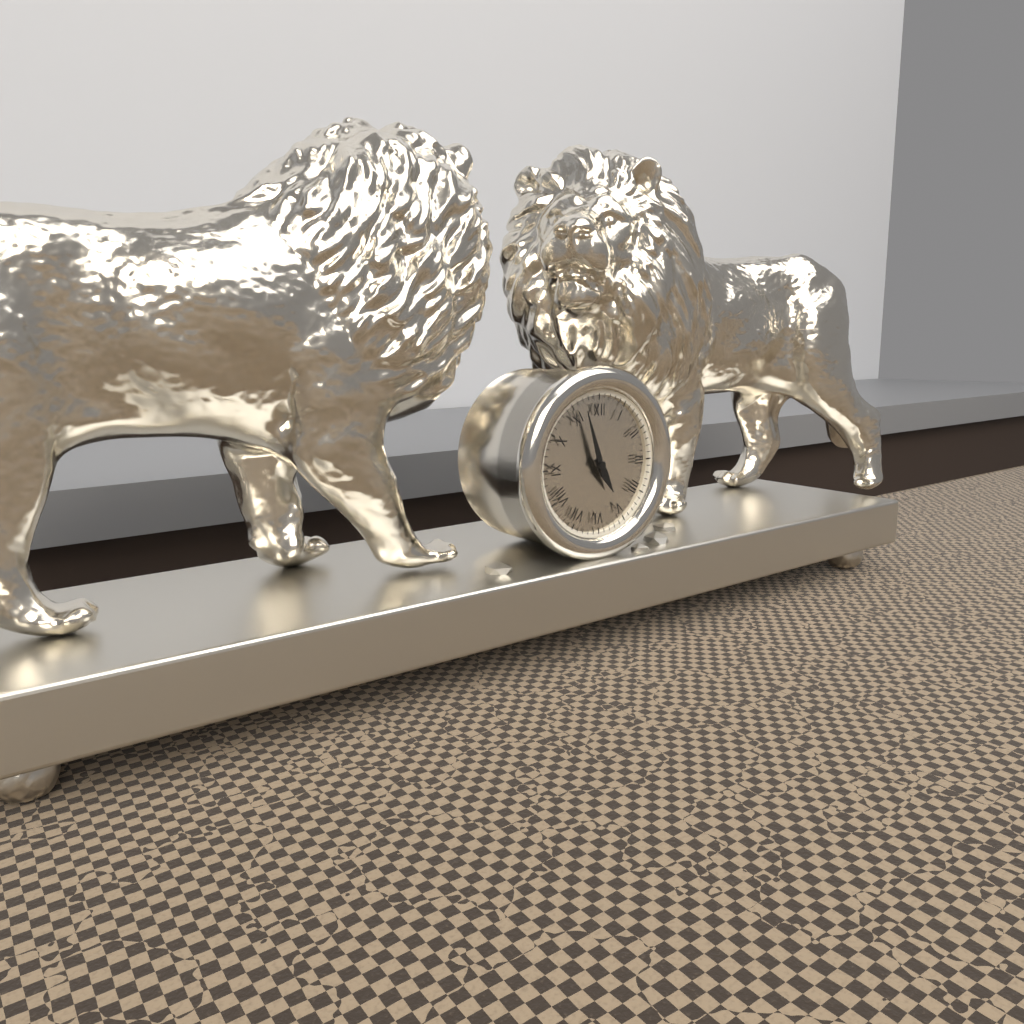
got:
4:57
